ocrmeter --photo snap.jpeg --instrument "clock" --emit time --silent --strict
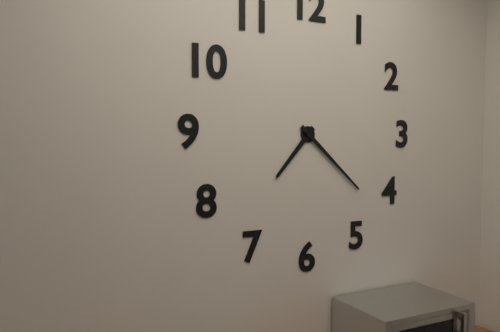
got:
7:22
